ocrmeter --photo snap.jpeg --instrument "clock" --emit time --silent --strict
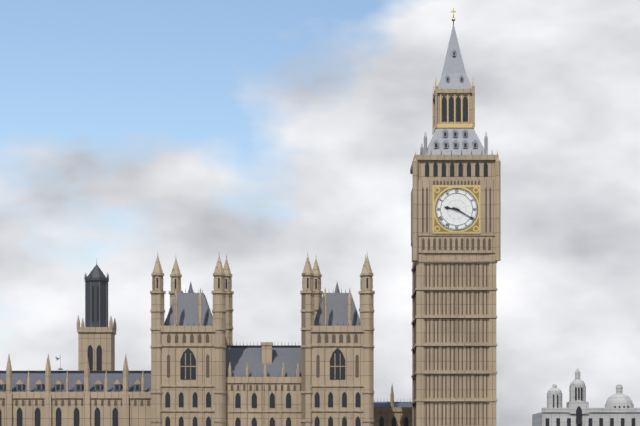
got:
9:20
